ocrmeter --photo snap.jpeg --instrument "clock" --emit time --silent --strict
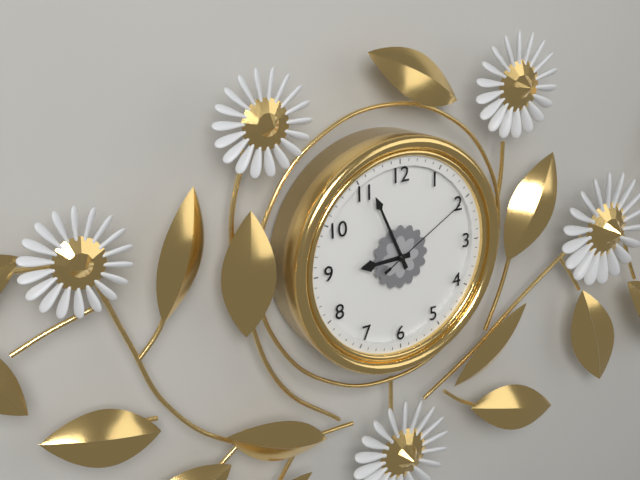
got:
8:56:10
